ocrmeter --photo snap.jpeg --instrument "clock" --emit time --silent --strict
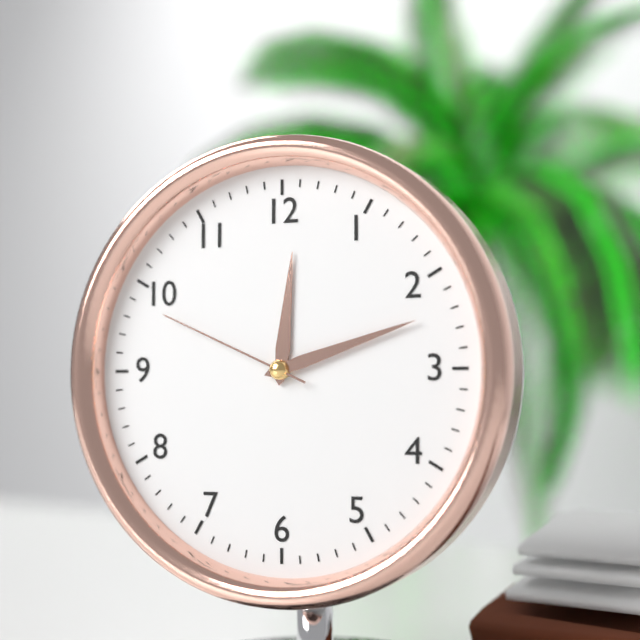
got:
12:12:49
